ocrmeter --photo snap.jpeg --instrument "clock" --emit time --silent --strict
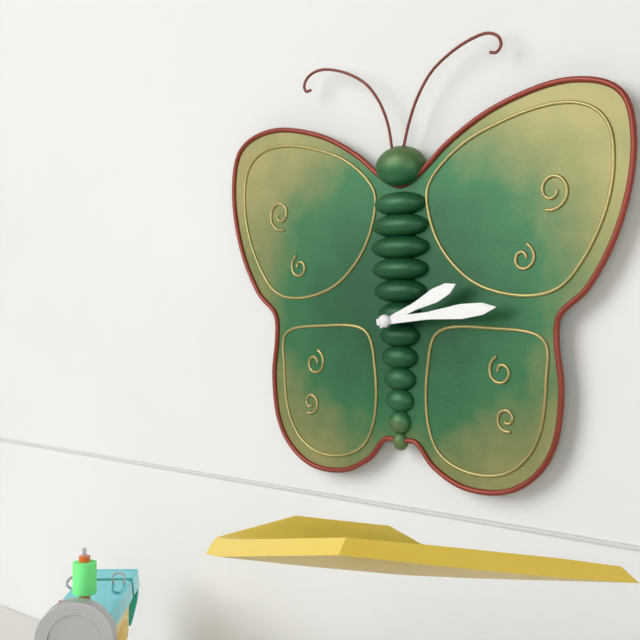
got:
2:14
